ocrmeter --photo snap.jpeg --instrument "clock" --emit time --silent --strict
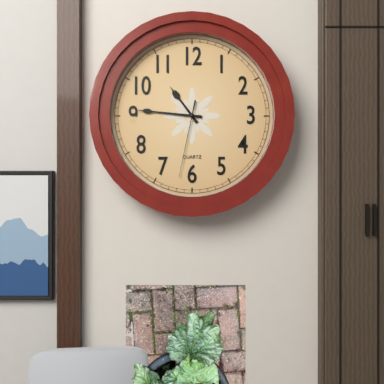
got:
10:46:32
